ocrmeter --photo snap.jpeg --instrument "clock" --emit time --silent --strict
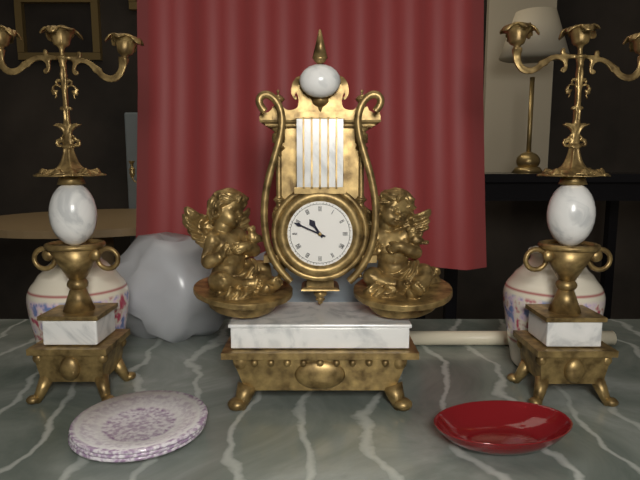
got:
10:49
